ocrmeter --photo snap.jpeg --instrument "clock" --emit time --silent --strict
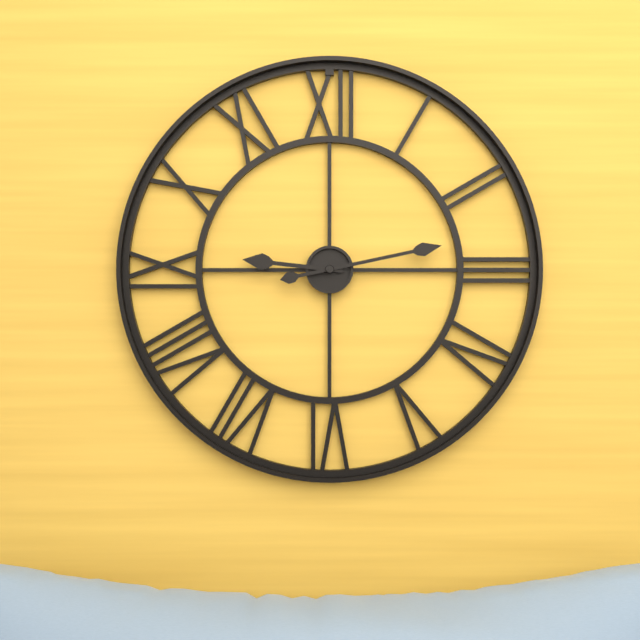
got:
9:13
